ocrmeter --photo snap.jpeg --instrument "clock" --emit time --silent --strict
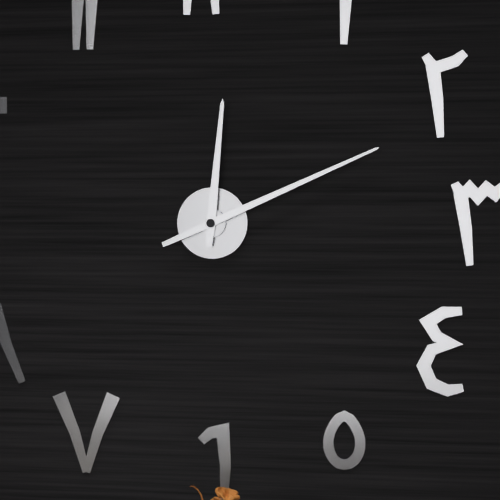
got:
12:11
